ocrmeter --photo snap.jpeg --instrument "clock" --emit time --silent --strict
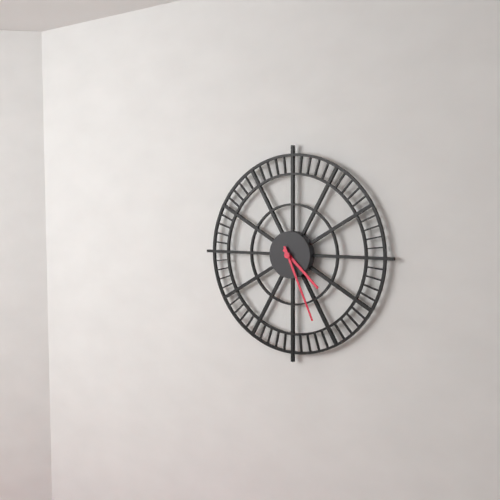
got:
4:26
